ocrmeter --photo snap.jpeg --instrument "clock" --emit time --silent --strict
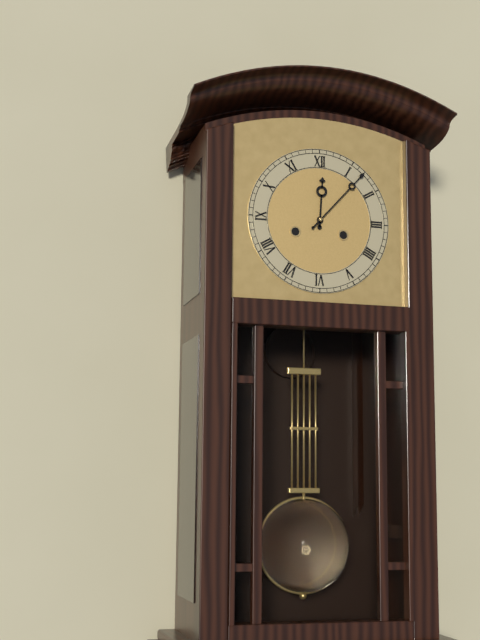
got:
12:07
